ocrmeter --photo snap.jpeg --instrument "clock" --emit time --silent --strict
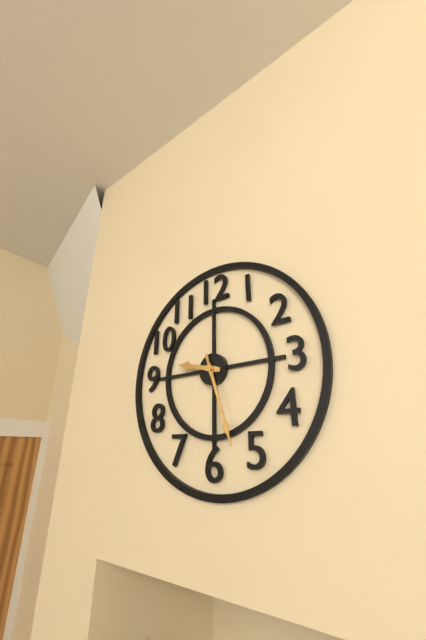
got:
9:27
